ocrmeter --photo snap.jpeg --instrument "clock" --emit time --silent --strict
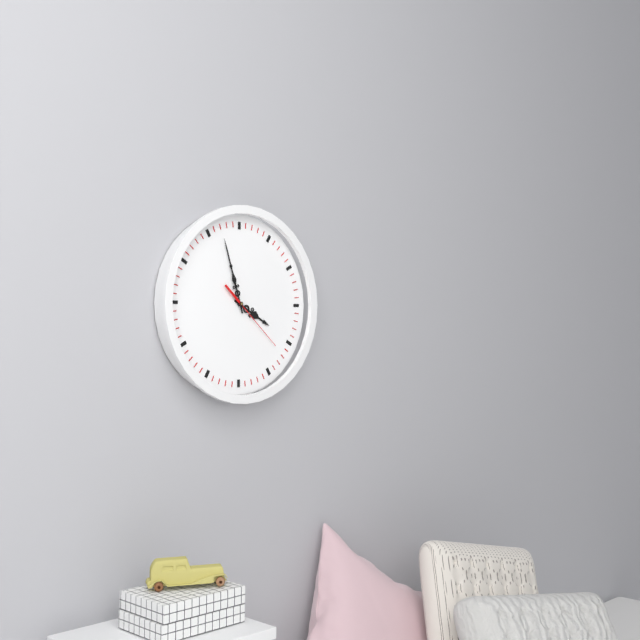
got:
3:57:22
